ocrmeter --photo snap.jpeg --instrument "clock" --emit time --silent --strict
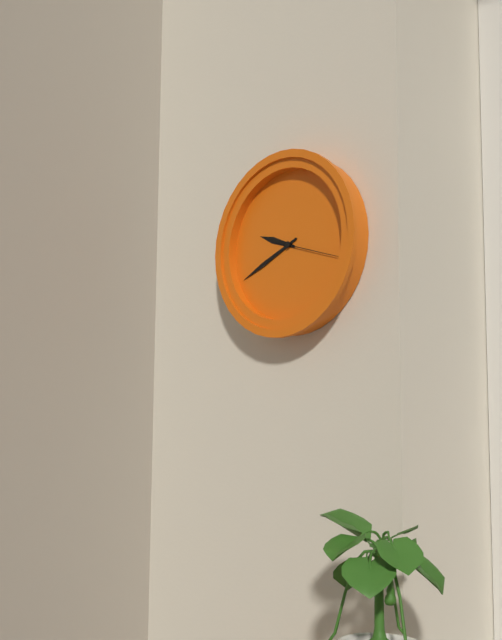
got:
9:41:18
